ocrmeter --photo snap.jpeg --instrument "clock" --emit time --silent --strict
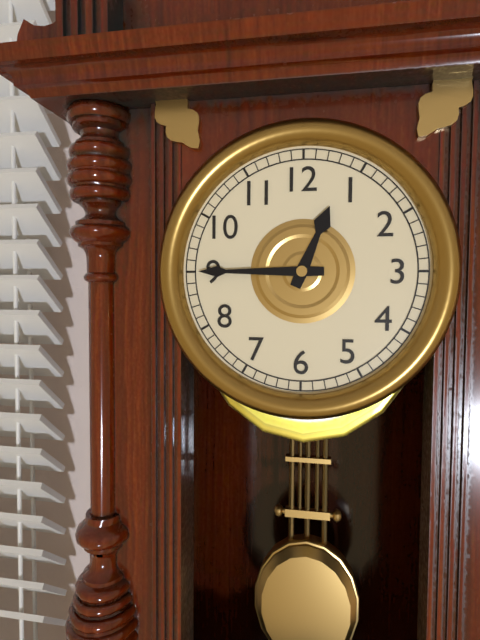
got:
12:45
